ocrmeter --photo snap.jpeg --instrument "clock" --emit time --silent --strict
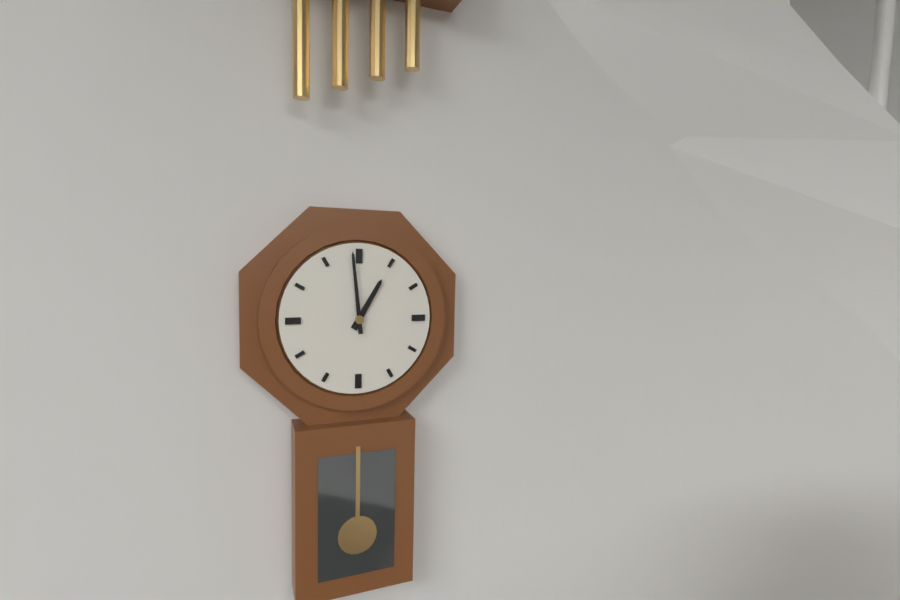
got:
12:59
